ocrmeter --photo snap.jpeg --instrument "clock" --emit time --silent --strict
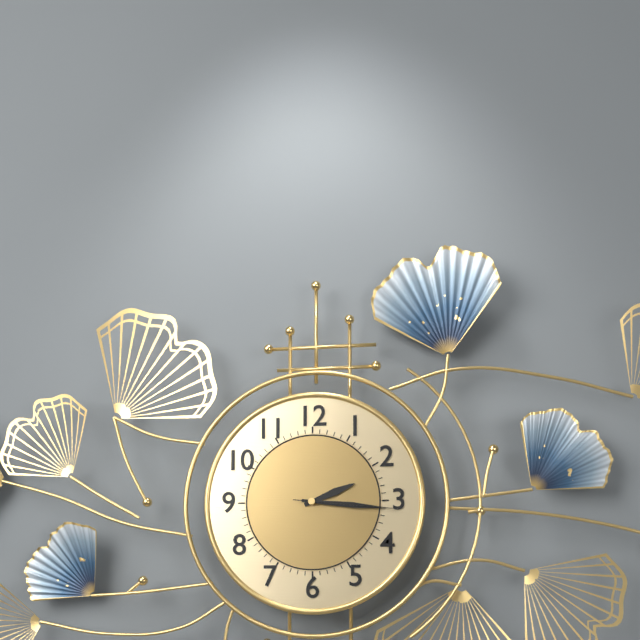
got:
2:16:16
